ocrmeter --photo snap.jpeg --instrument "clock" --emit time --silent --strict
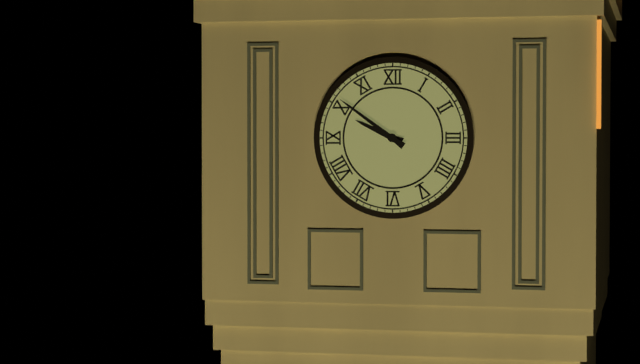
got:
9:51
